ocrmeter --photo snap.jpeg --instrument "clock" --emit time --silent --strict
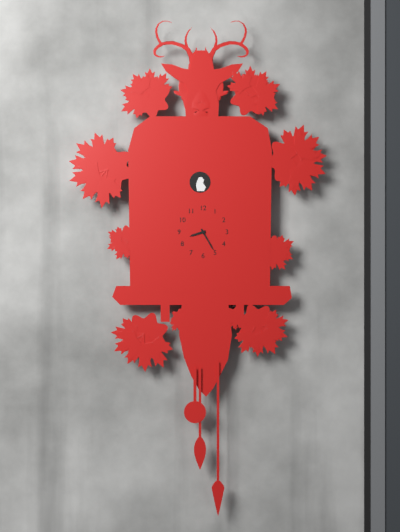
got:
8:25
